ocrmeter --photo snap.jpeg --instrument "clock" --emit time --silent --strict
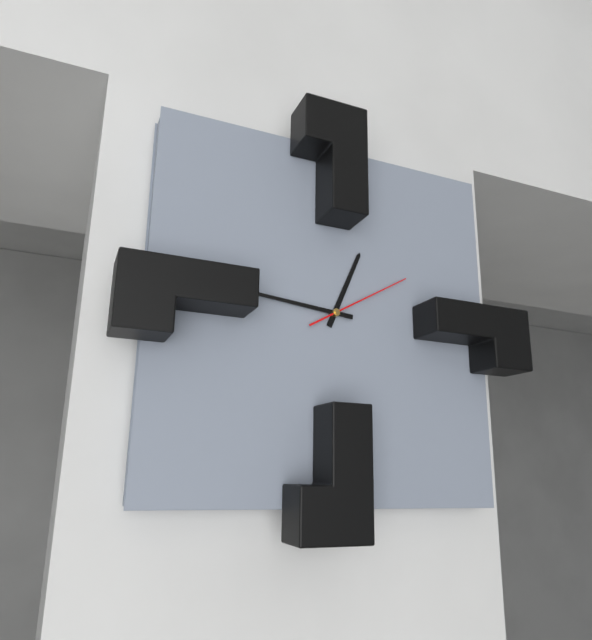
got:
12:46:10
